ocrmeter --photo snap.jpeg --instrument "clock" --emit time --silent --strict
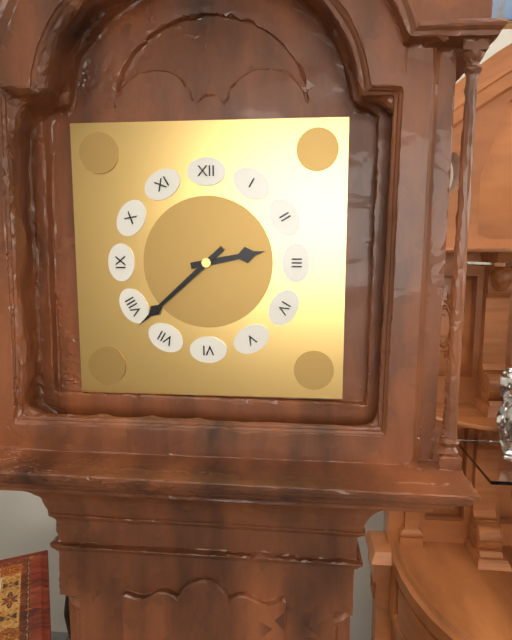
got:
2:38
